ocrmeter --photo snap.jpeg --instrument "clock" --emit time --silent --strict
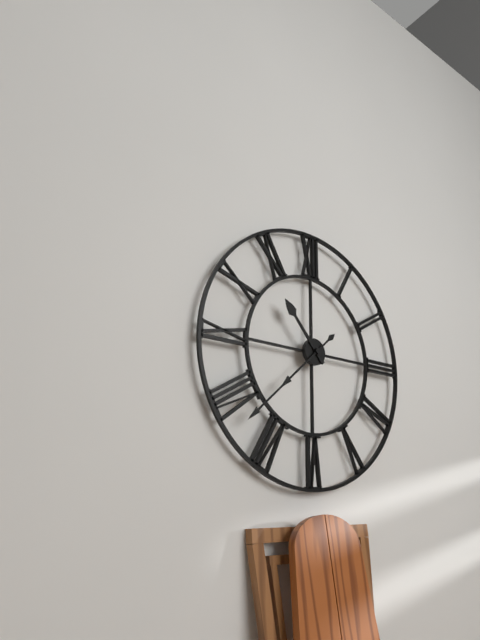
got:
10:38
